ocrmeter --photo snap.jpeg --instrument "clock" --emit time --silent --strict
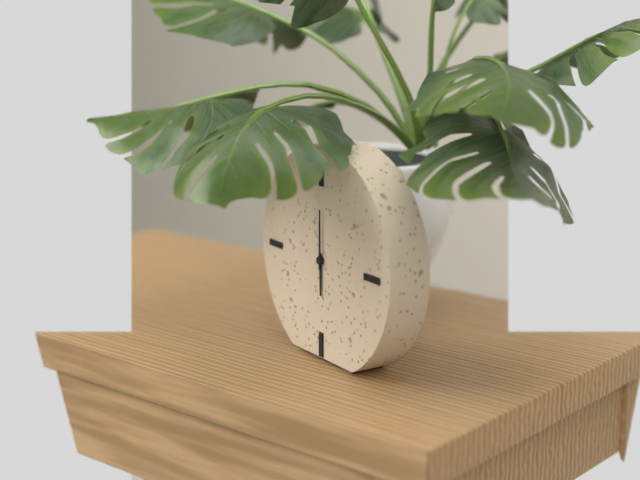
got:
6:00
